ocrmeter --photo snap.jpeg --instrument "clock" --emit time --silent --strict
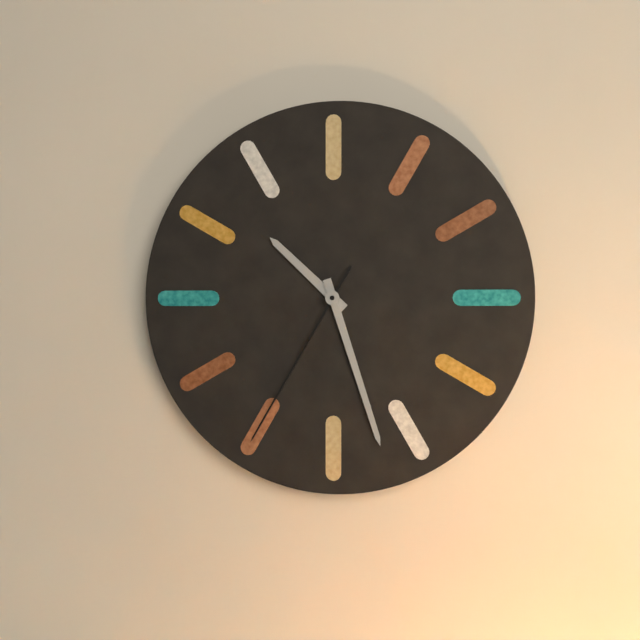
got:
10:27:35
